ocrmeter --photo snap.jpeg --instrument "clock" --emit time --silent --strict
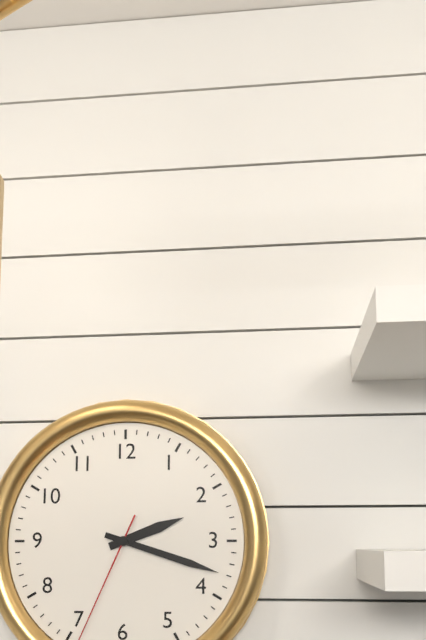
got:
2:18
